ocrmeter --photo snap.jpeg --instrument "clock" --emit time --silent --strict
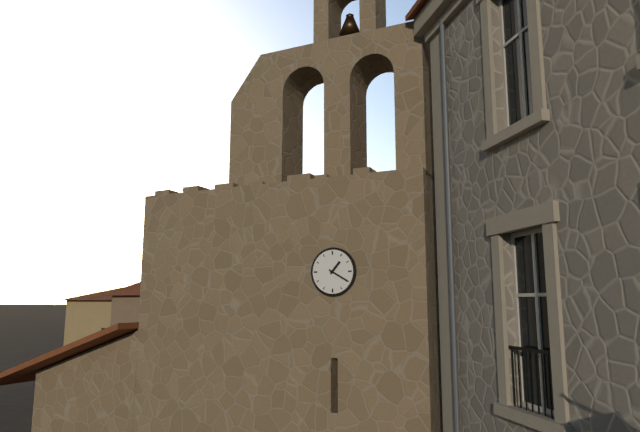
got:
1:20
